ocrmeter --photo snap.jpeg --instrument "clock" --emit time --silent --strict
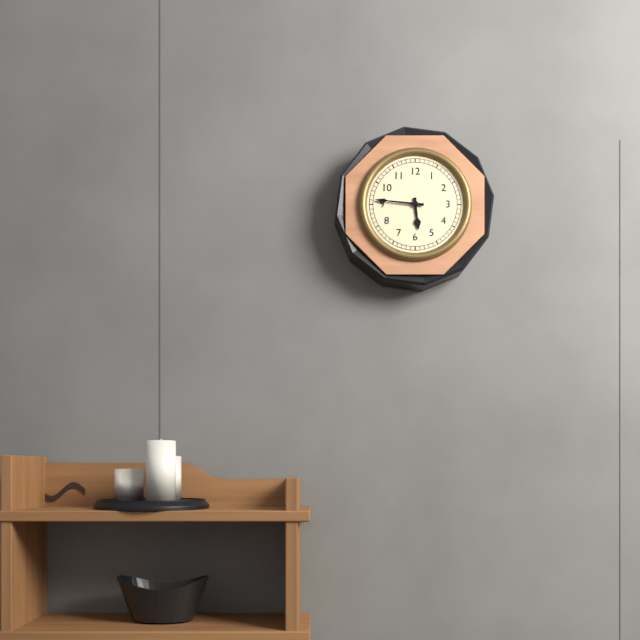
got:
5:46
